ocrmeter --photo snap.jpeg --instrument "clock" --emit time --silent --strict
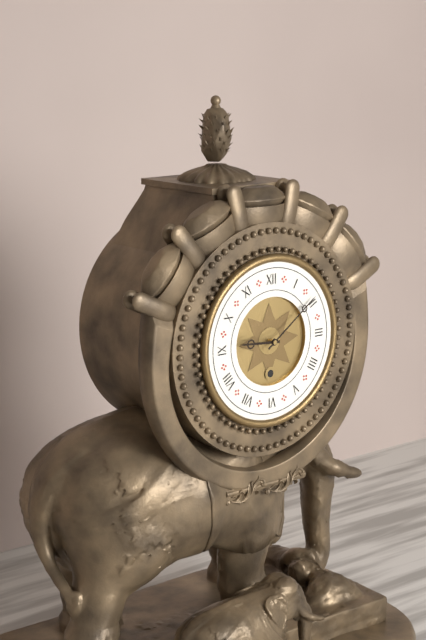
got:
9:09
